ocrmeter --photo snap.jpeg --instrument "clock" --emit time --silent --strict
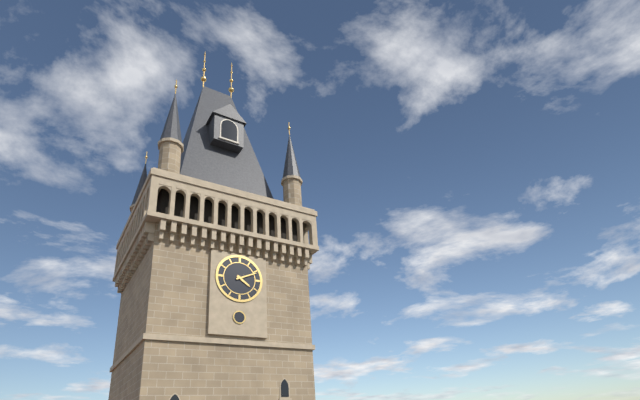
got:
4:11
